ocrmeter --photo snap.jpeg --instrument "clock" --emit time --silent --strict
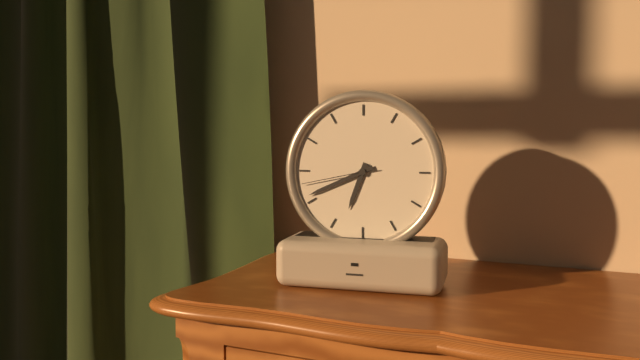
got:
6:41:43
